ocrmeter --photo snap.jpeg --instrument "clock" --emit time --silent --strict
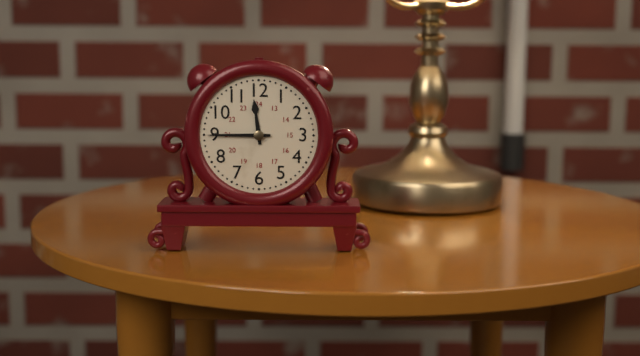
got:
11:45
